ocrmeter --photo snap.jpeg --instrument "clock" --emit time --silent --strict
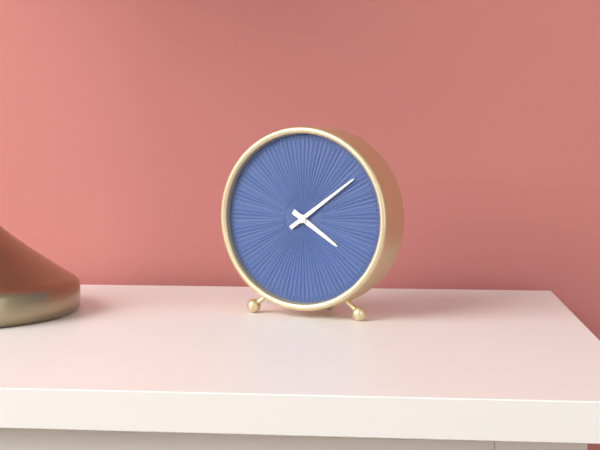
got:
4:09
